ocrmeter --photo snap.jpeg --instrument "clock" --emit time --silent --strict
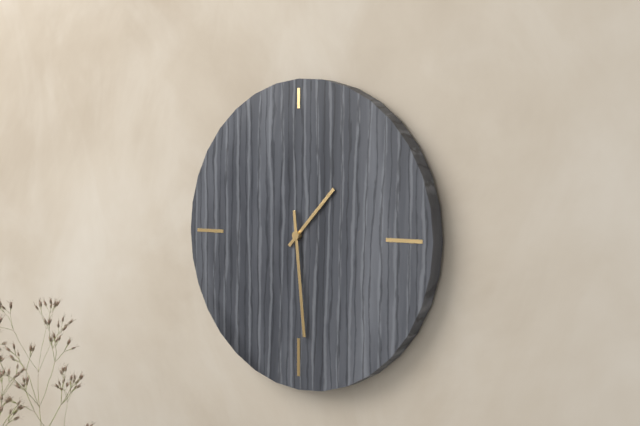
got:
1:29
